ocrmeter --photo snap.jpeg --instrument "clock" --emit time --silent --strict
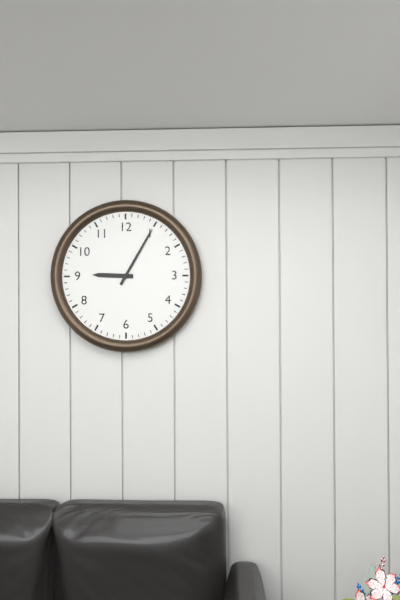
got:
9:05
